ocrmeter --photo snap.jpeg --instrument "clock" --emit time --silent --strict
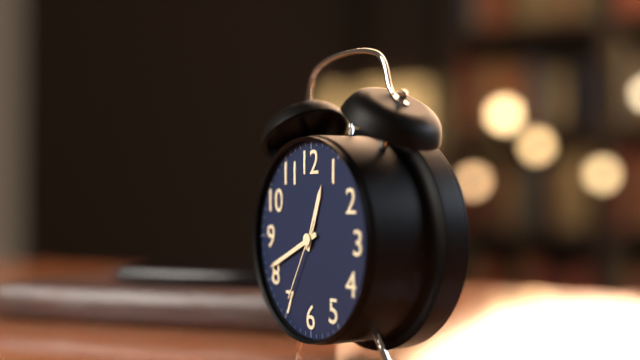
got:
12:41:35
